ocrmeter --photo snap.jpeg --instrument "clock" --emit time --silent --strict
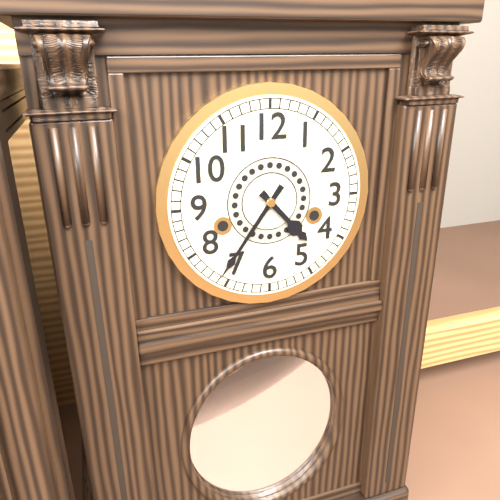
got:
4:36
